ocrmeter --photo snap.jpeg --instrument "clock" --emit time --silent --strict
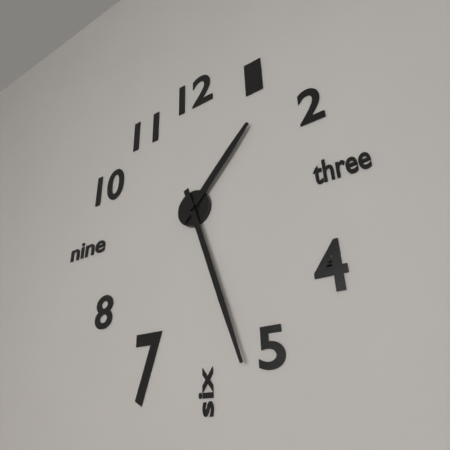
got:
1:27
